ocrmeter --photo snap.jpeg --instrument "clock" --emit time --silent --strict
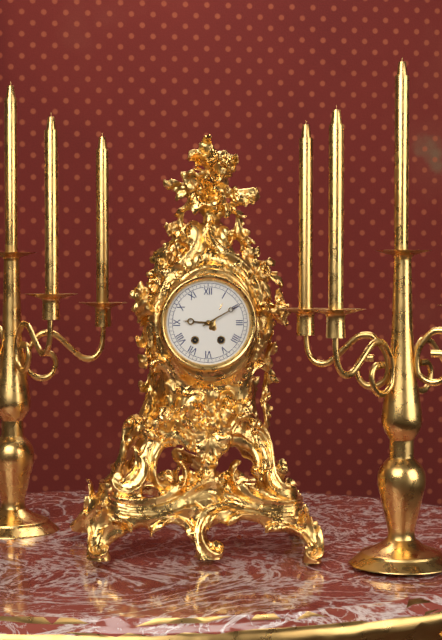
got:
9:10
